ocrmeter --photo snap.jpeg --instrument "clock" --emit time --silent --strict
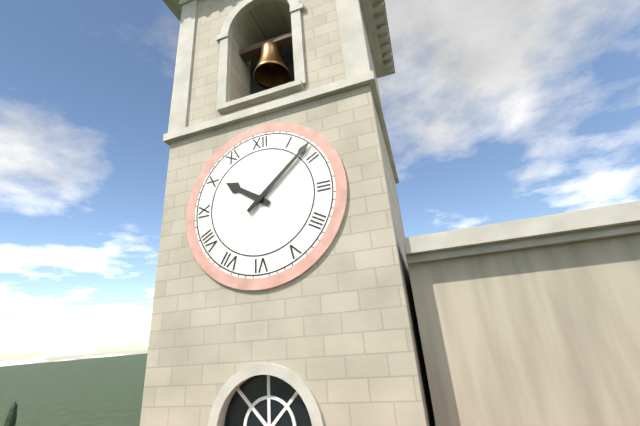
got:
10:08
